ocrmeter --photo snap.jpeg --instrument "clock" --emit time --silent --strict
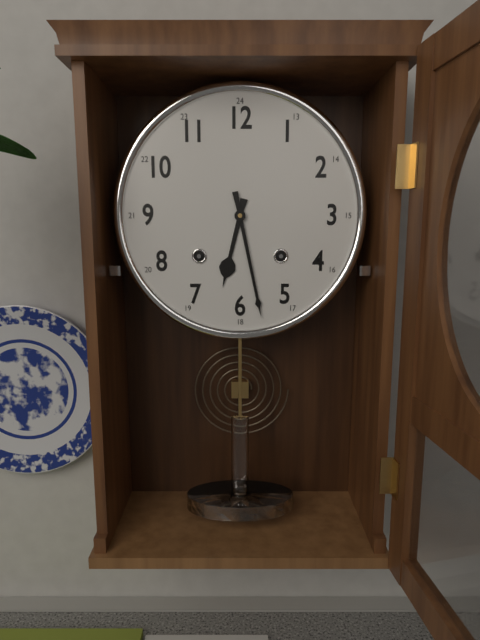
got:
6:28
